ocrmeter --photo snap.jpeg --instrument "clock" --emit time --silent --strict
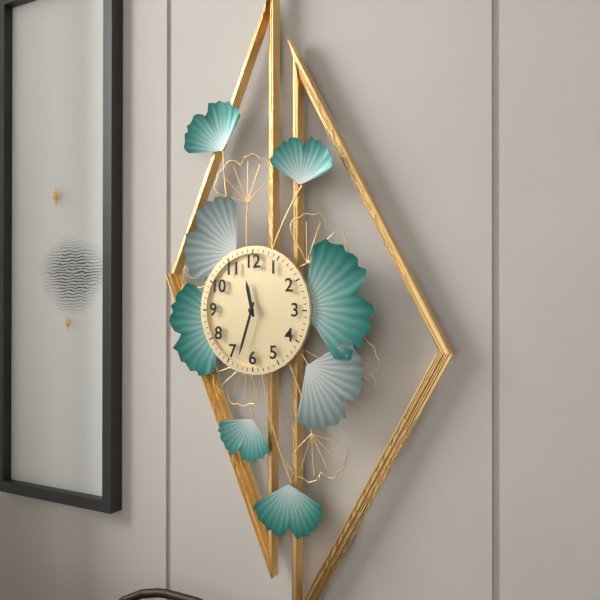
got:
11:33
